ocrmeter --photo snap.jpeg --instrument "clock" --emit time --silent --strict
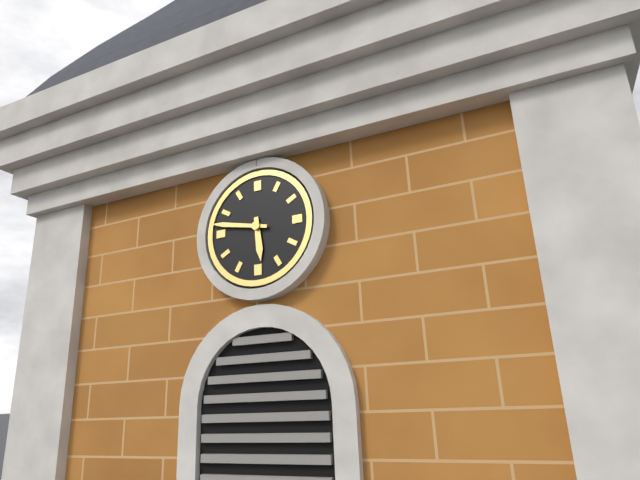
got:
5:47
